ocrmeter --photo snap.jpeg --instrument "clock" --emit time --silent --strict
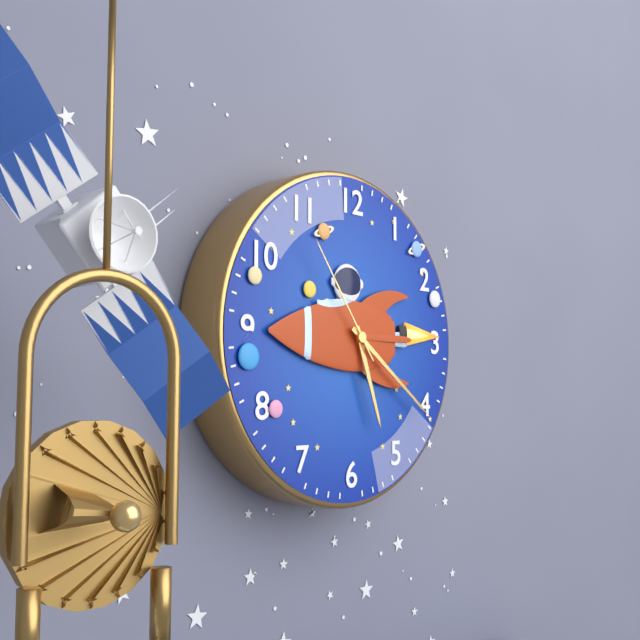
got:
5:21:54
